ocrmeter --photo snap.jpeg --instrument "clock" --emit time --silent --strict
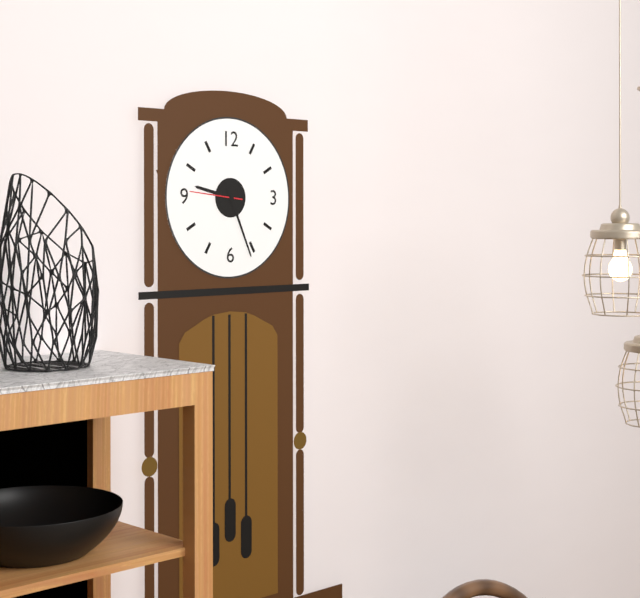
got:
9:26:46
